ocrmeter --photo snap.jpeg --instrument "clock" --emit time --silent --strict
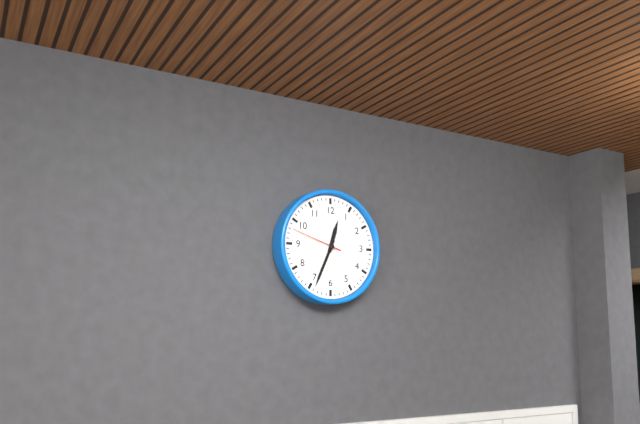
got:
12:34
